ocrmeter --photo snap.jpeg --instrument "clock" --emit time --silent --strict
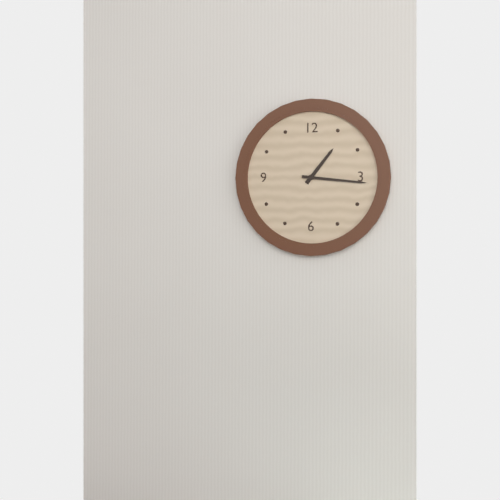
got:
1:16
